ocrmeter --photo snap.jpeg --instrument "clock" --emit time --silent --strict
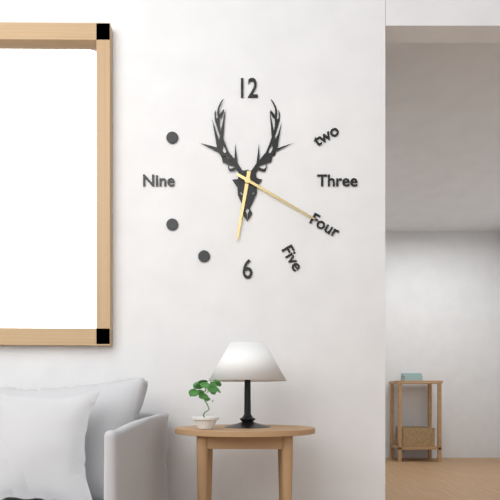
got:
6:20
